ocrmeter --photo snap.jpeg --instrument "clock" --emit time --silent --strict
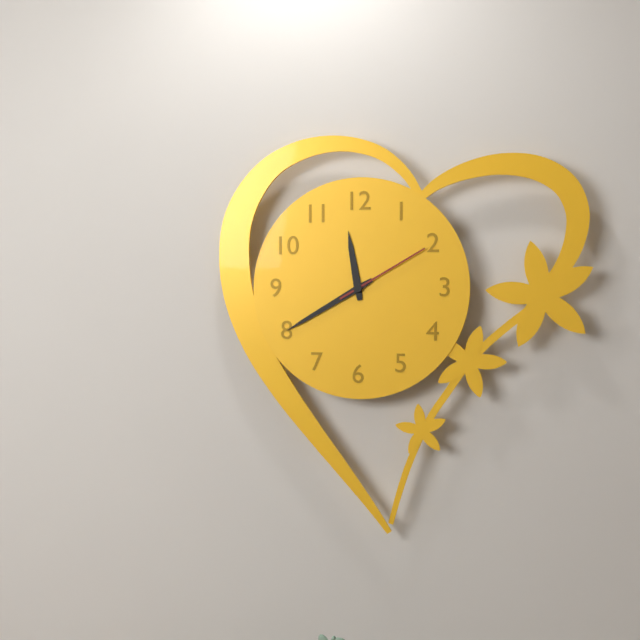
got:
11:40:10
